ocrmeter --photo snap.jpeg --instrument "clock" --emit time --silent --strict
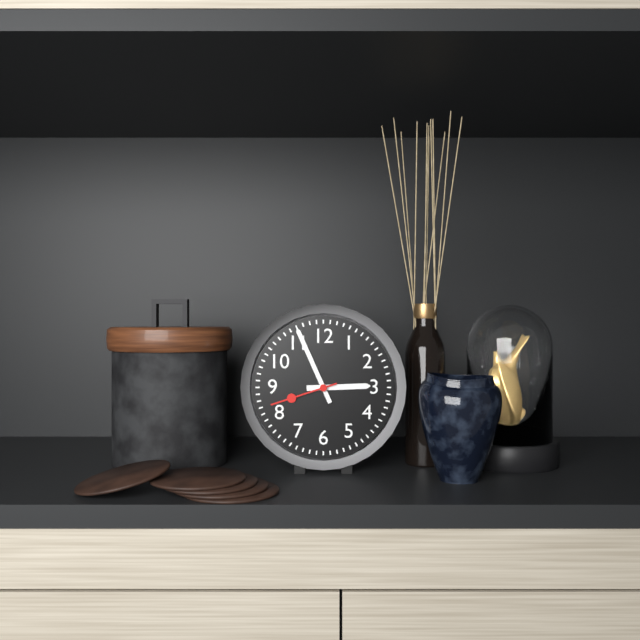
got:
2:56:42
